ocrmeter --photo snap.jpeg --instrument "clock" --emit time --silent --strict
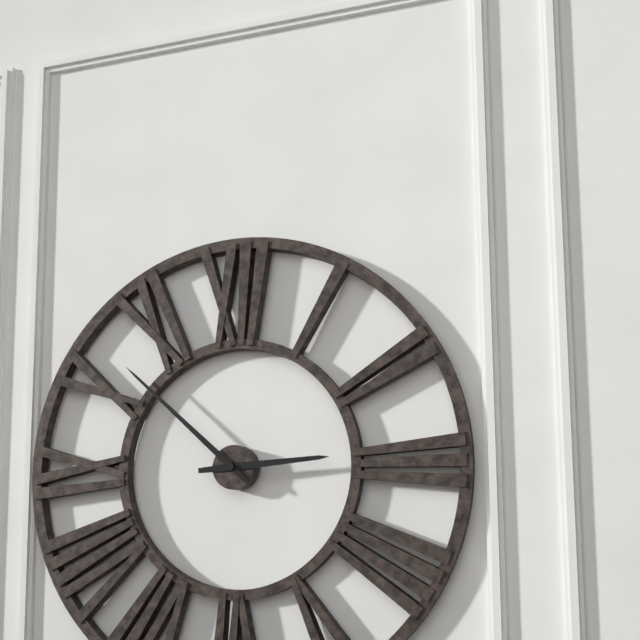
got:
2:52
